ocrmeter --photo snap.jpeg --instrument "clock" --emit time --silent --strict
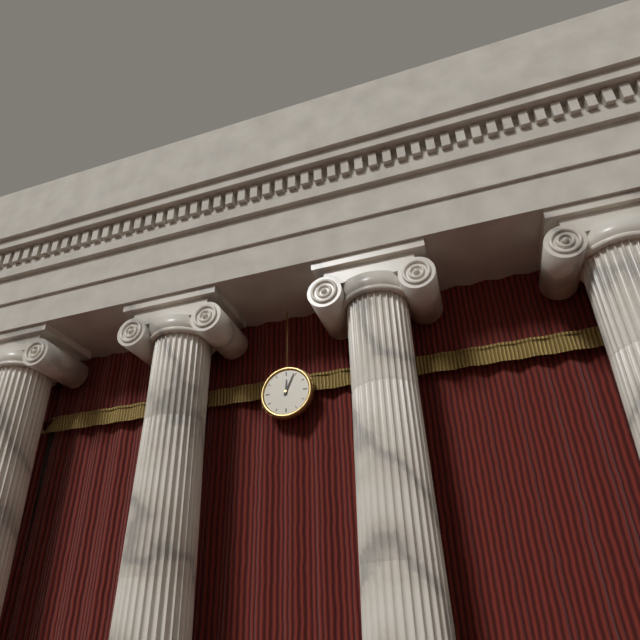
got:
12:04
